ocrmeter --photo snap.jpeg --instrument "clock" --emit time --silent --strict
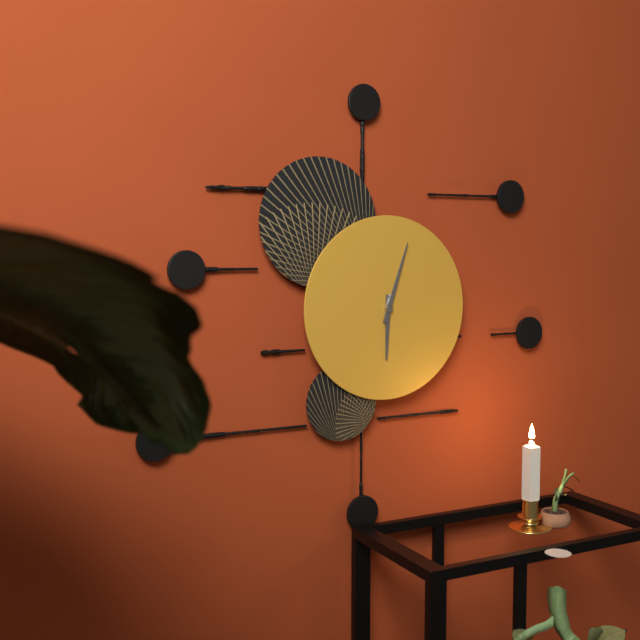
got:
6:03
